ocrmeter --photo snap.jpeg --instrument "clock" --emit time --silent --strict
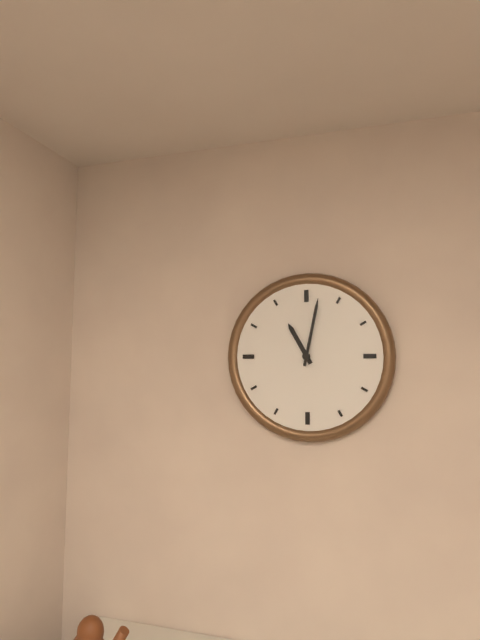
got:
11:02
